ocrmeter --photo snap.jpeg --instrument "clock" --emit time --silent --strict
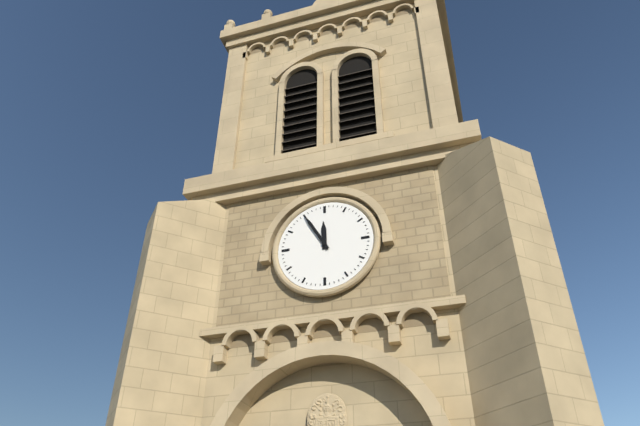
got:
11:55
